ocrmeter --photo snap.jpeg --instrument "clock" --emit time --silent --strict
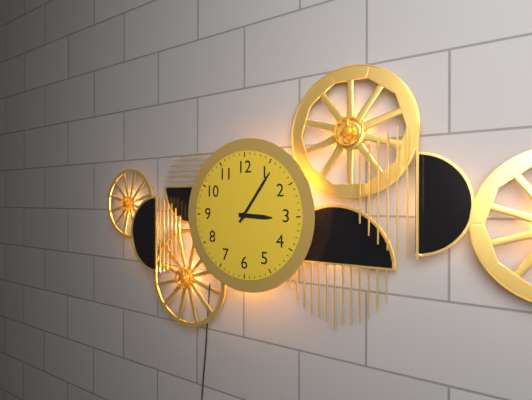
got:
3:06
